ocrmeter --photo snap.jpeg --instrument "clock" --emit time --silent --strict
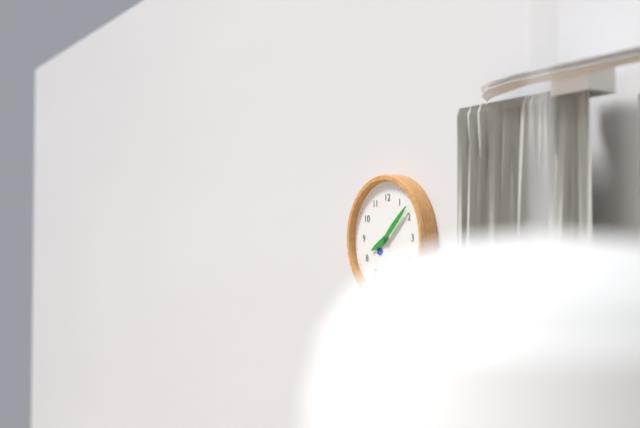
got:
8:08
